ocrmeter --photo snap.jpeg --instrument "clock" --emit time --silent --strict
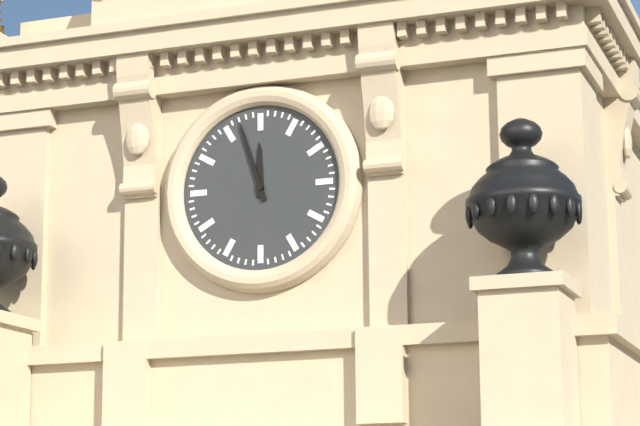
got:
11:57
